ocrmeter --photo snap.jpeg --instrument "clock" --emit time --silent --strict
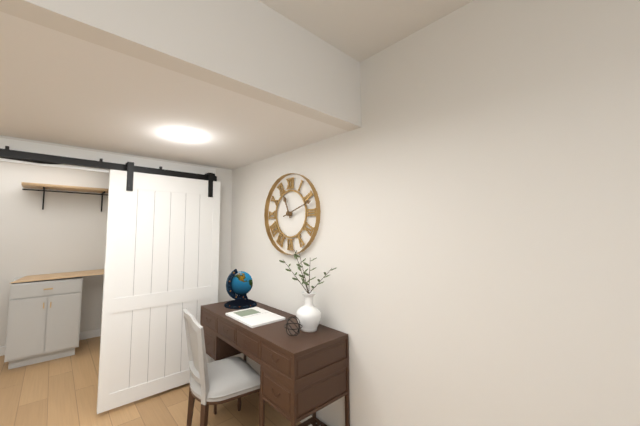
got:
11:12
